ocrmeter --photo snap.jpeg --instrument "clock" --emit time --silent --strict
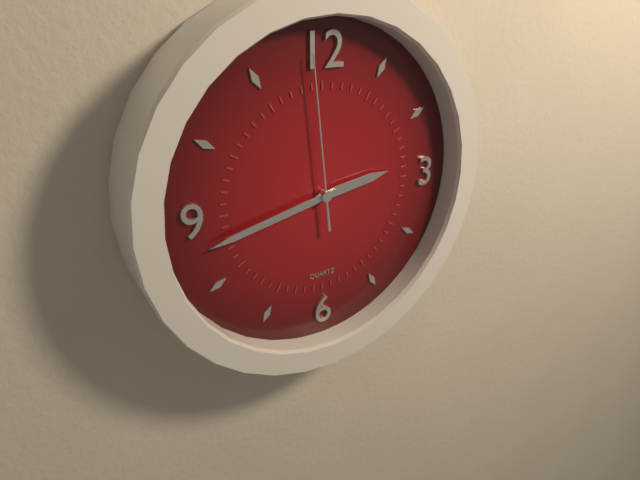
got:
2:43:59
